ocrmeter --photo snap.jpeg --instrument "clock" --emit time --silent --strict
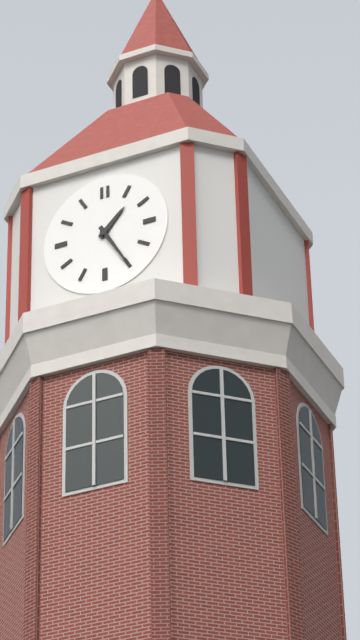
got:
1:25
